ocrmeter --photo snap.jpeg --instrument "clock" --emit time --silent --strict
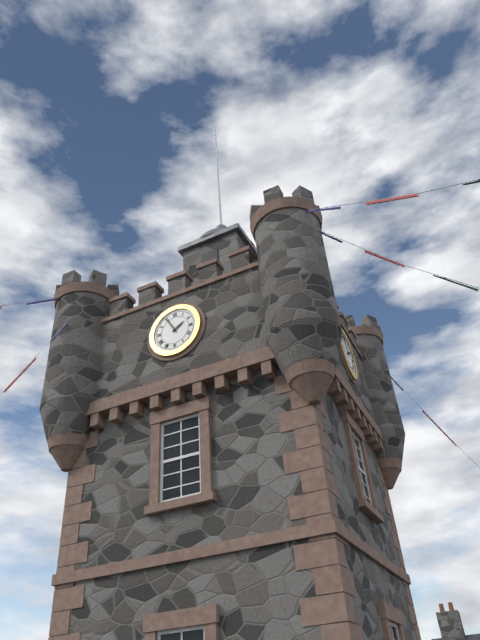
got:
1:55
